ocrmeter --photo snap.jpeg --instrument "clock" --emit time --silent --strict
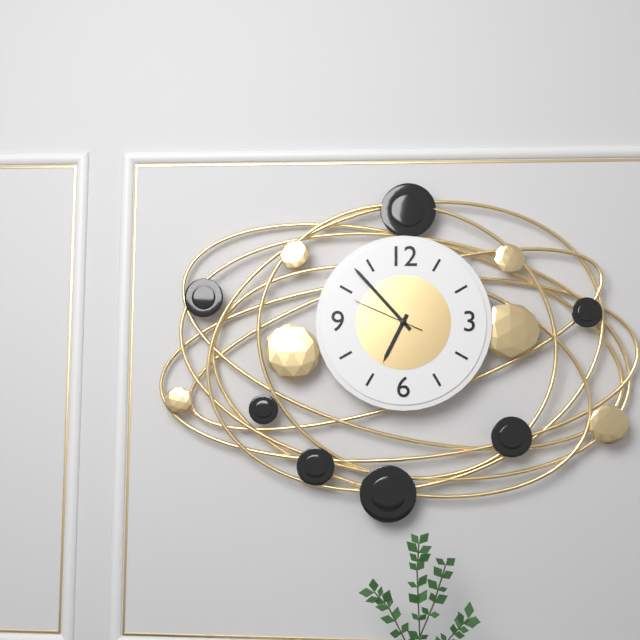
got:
6:53:49
